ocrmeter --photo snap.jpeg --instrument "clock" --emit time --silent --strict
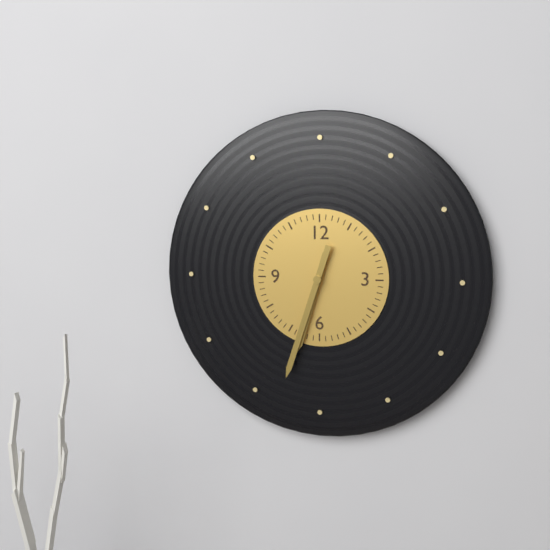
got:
6:33
